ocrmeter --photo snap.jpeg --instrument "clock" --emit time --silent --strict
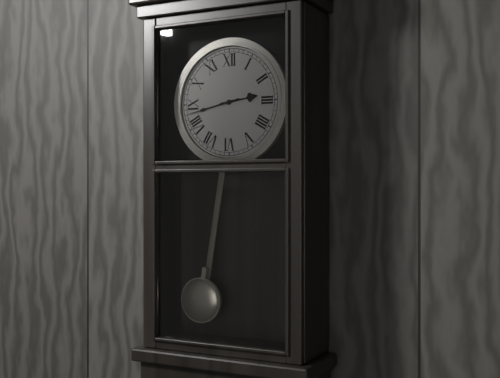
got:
2:43
